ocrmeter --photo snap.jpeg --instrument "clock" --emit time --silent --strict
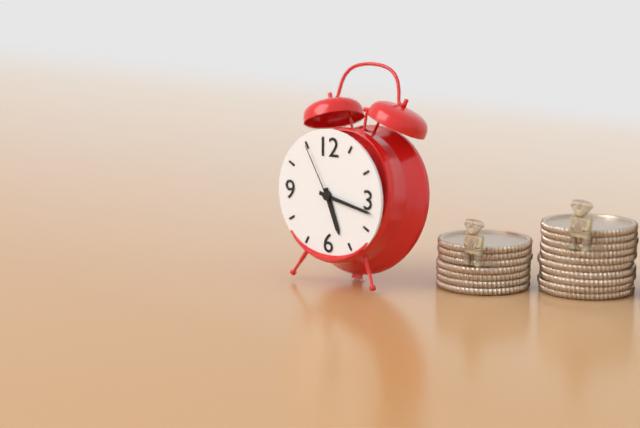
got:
5:17:55
